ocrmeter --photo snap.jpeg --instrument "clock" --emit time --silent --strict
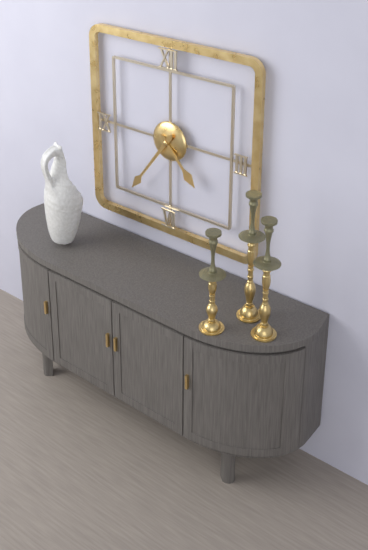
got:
4:36
